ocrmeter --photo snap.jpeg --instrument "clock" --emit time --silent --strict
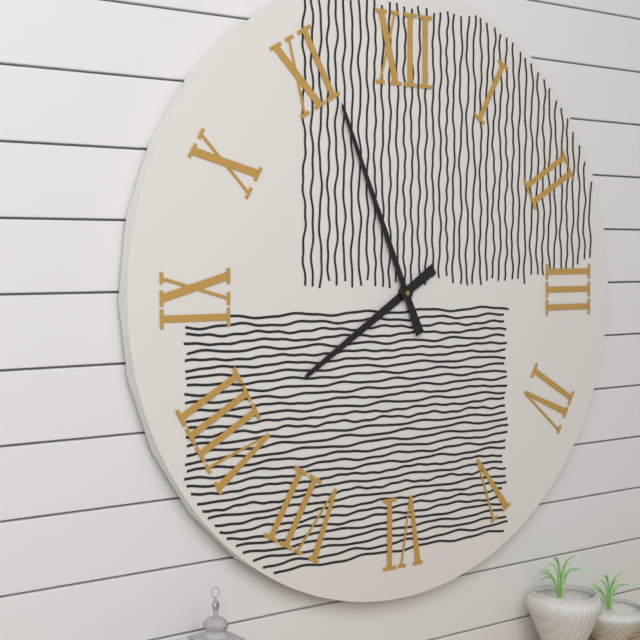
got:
7:56
